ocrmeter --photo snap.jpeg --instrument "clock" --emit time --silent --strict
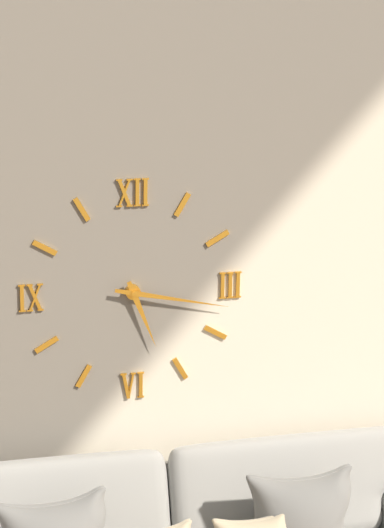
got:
5:17
